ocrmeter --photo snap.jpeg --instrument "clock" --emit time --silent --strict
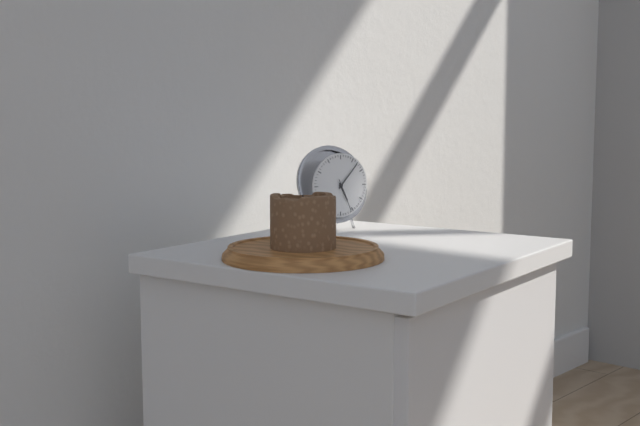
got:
5:07
